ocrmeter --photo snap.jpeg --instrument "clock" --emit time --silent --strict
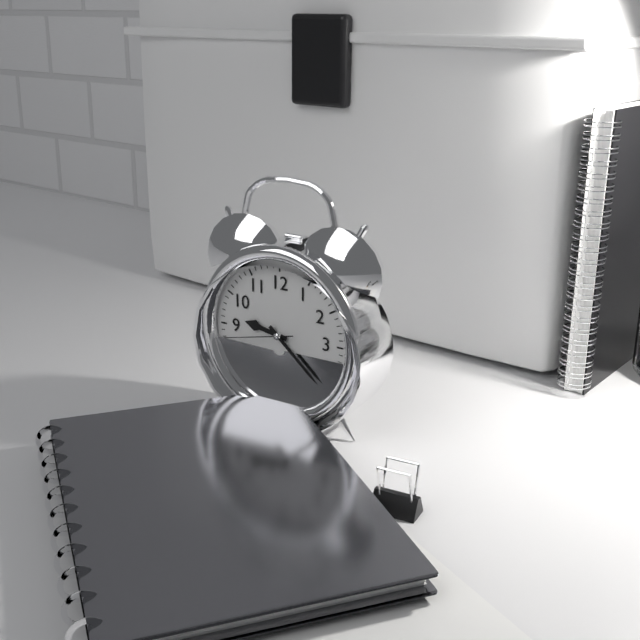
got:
9:22:43
